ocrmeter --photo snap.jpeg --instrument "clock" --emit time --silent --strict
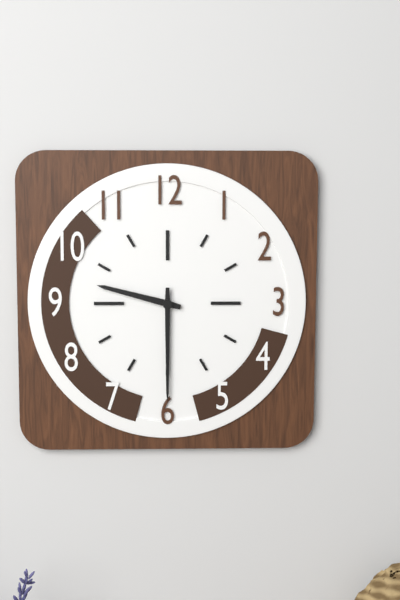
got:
9:30
